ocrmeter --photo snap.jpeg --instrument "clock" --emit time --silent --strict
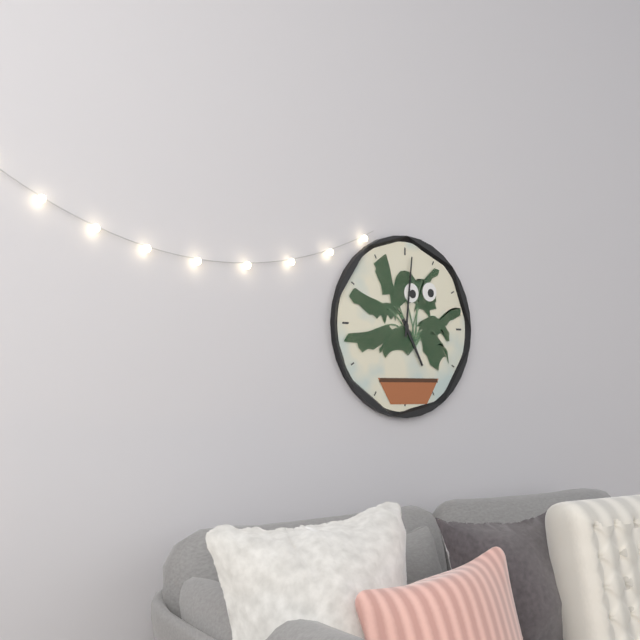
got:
5:01
